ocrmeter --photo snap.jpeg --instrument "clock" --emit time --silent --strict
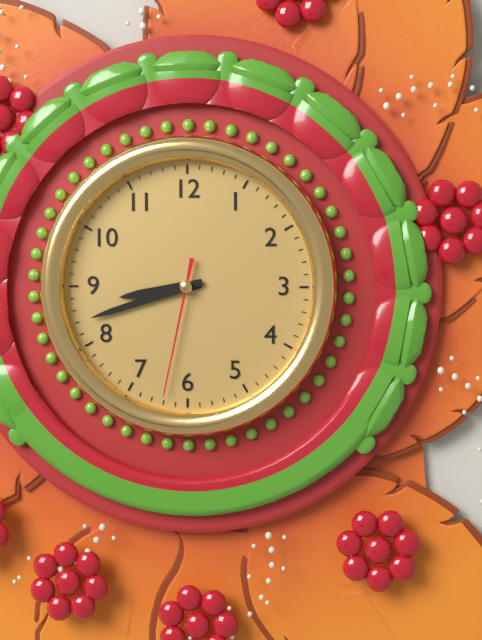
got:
8:42:32
